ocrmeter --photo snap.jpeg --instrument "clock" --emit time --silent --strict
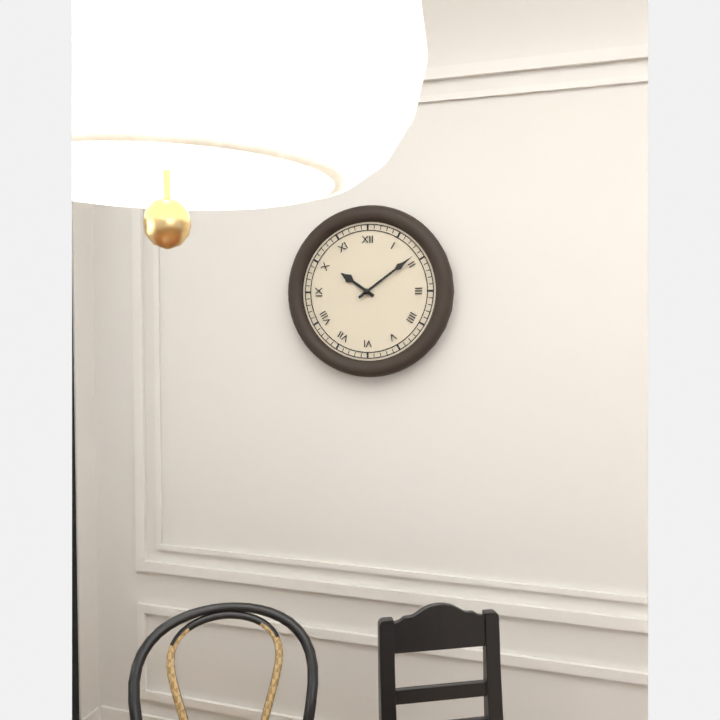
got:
10:09
